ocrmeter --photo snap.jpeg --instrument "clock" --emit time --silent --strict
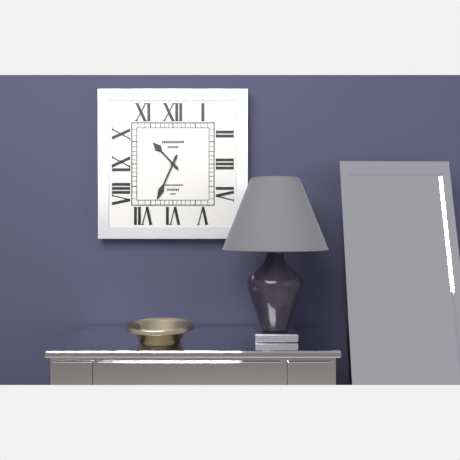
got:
10:34
